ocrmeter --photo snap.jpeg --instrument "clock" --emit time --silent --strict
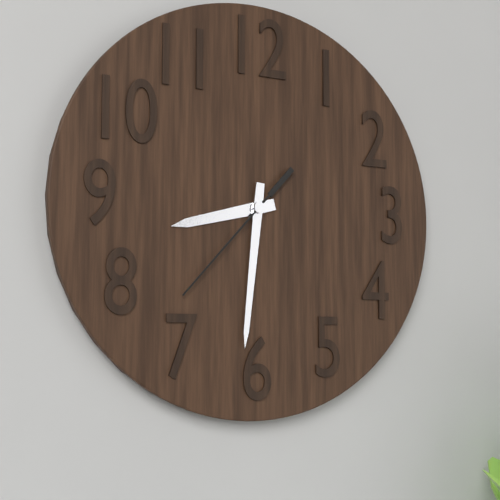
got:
8:31:37
